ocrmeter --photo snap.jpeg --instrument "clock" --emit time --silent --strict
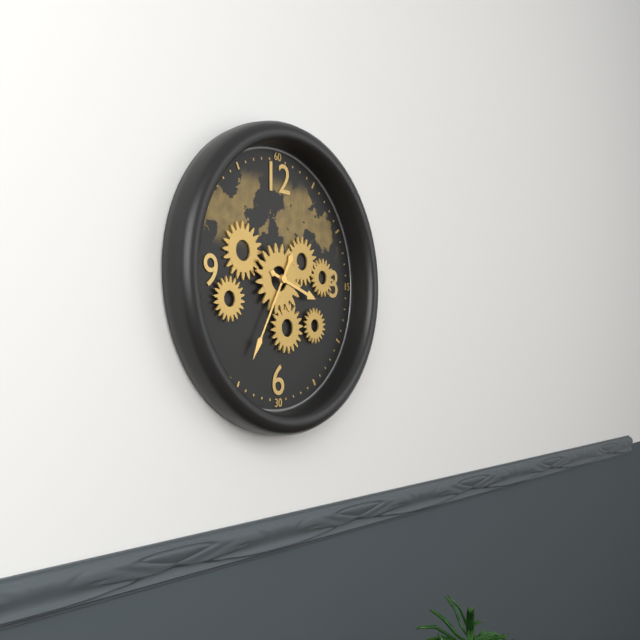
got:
3:35
